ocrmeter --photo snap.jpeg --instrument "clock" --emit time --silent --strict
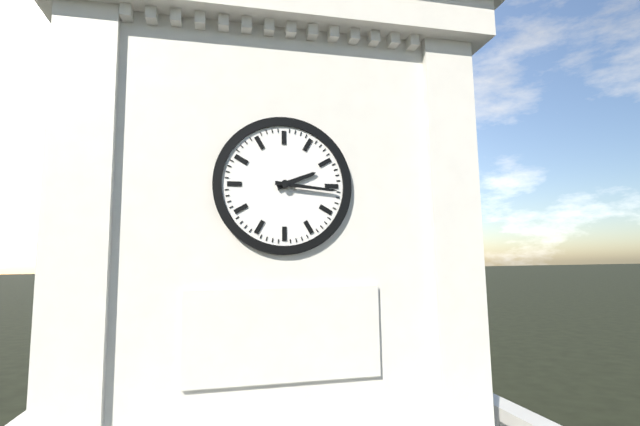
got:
2:16
